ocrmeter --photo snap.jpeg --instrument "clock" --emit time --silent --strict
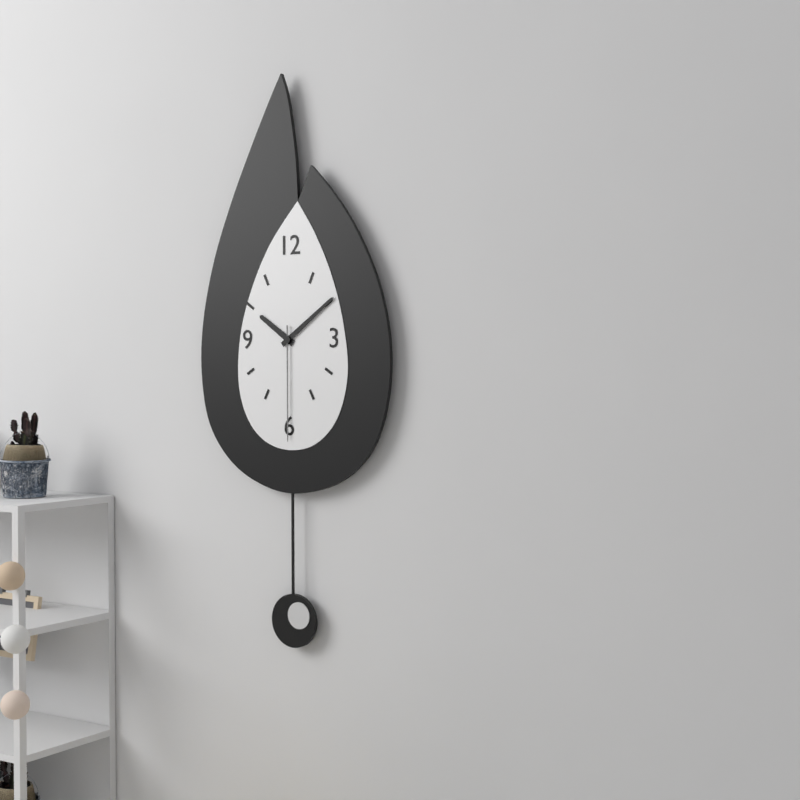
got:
10:09:30
